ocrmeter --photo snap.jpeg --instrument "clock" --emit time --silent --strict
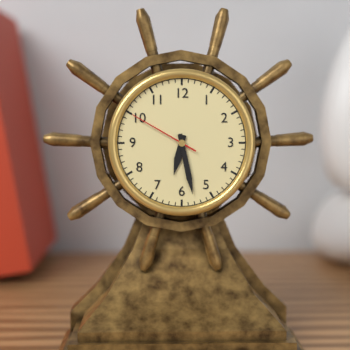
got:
6:28:50
